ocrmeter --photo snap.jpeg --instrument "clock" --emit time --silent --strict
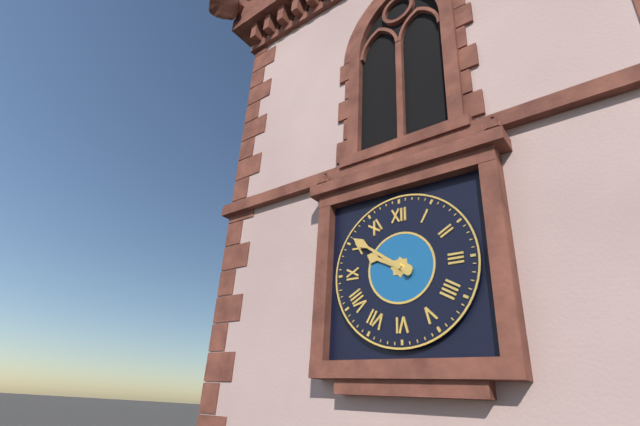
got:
9:51
